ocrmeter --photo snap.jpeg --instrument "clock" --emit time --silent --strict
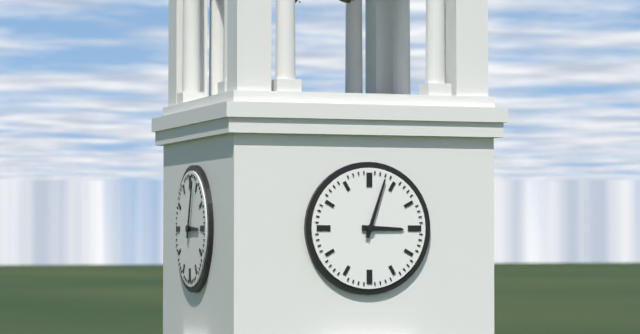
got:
3:03
